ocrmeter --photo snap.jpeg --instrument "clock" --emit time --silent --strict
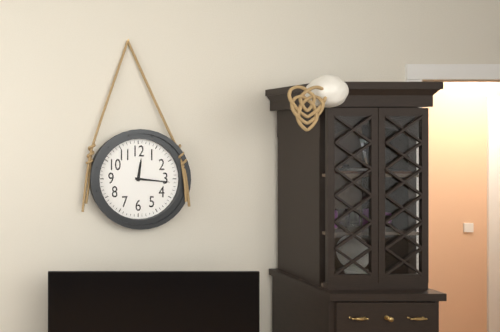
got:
12:16
